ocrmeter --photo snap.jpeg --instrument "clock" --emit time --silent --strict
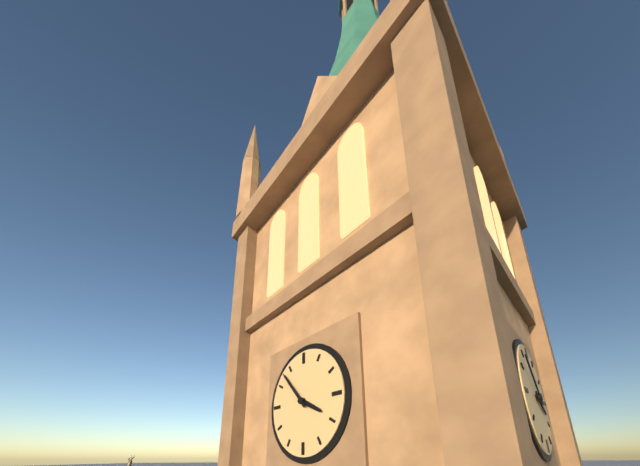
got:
3:53
